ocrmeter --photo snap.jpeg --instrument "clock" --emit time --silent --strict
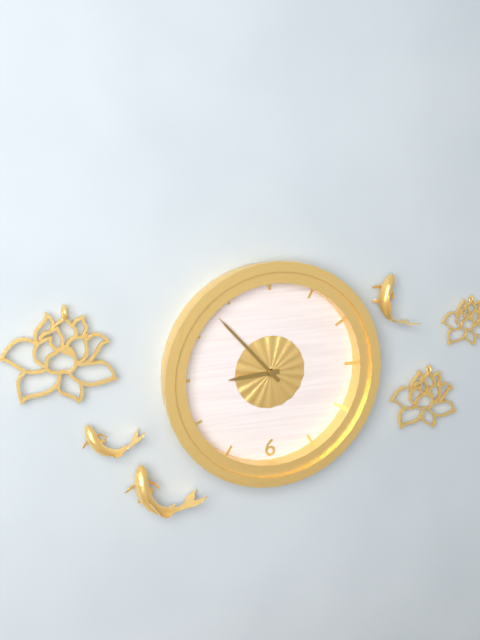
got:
8:53
